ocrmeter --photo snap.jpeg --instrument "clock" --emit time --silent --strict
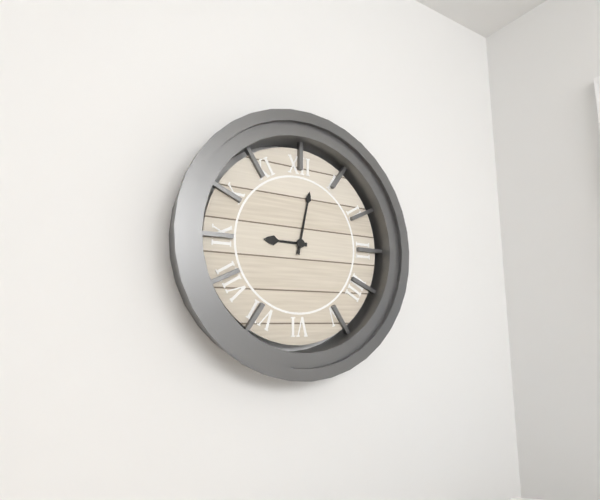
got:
9:02
